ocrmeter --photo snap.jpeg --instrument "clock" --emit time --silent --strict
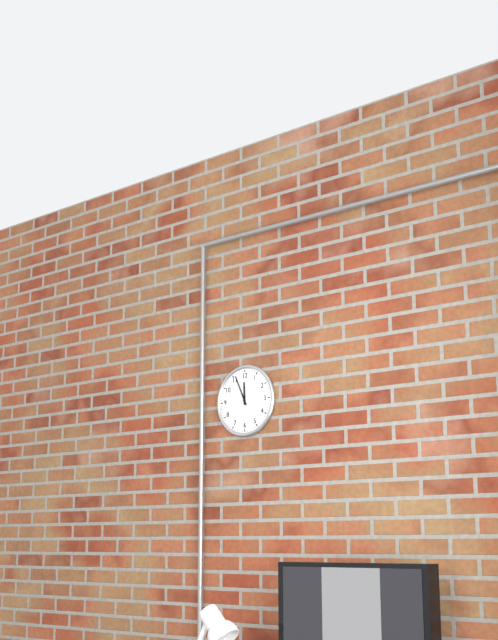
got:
11:56
